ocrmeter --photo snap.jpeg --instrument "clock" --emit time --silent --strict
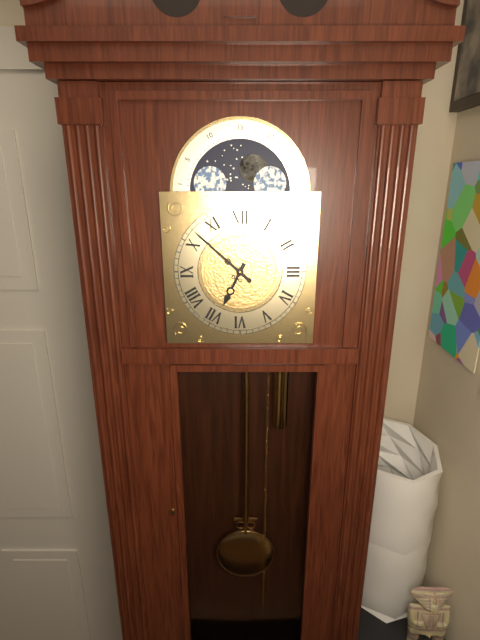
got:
6:52
